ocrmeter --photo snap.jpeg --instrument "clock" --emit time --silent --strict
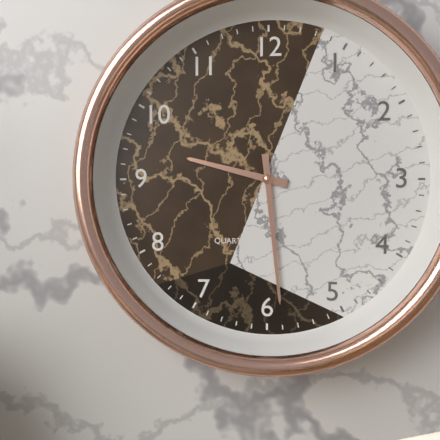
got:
9:29
